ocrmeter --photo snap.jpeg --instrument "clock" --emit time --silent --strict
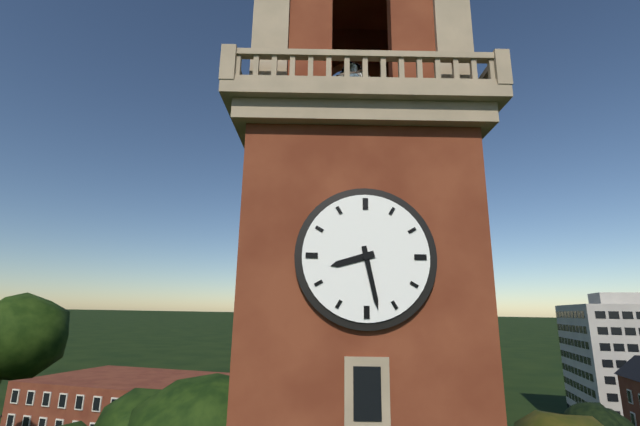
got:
8:28
